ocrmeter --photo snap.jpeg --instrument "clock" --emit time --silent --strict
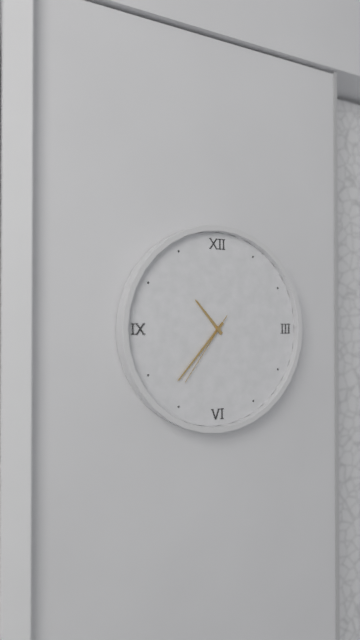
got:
10:37:36
